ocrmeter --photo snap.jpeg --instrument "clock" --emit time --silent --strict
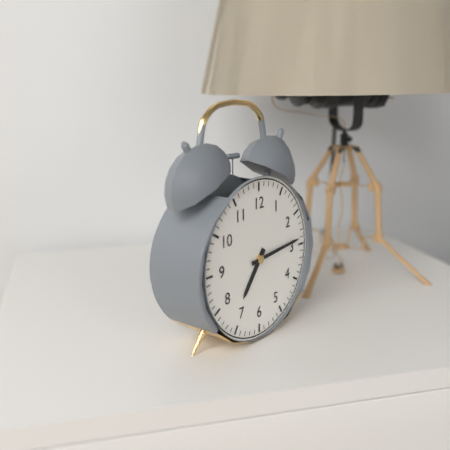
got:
7:14
